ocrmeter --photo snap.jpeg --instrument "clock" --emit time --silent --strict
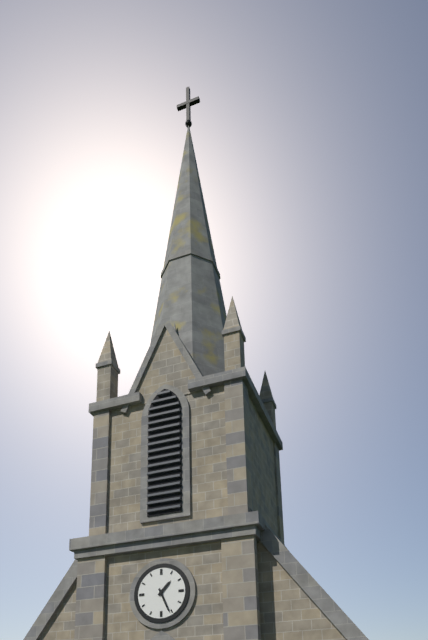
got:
1:26
